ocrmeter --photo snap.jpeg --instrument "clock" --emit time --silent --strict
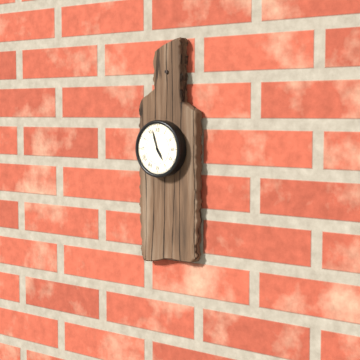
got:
4:57
